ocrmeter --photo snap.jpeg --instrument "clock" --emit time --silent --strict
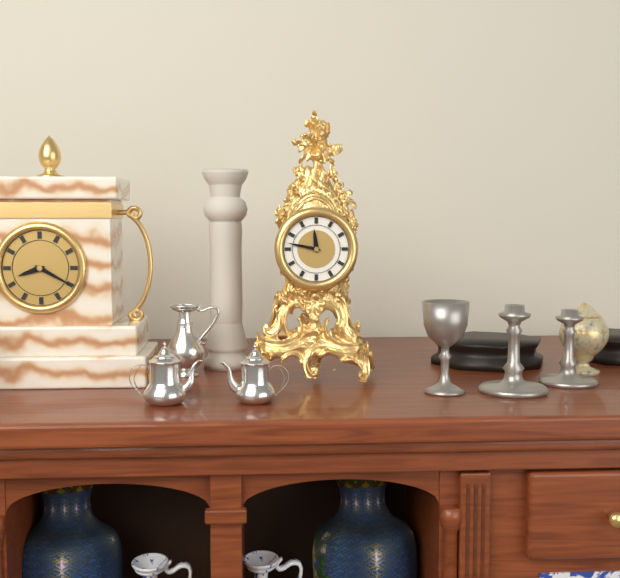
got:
11:47
